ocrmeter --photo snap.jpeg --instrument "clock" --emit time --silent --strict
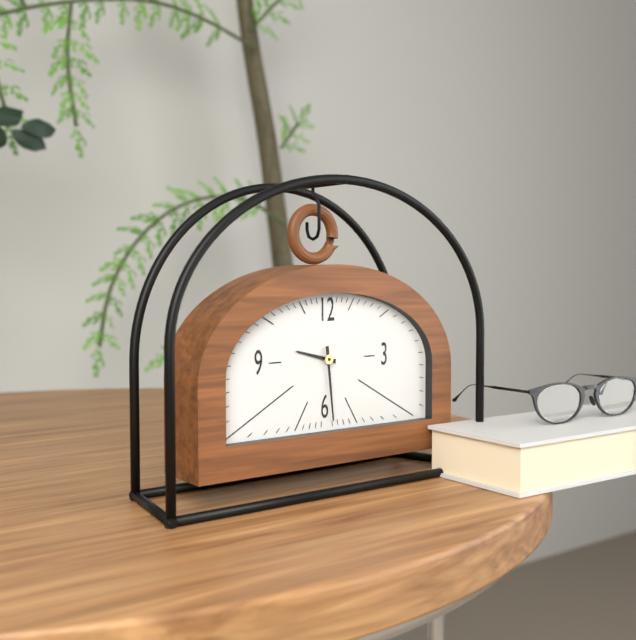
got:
9:29
